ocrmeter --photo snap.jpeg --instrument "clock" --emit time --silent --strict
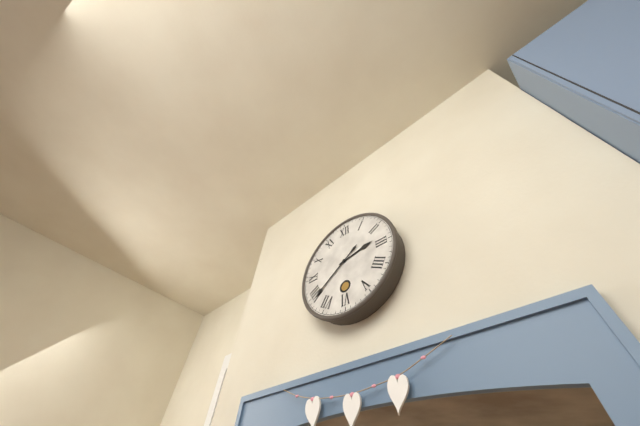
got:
2:39
